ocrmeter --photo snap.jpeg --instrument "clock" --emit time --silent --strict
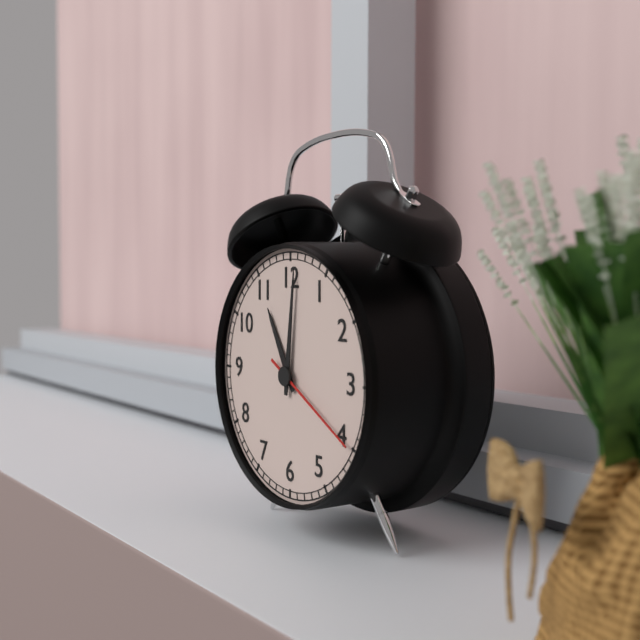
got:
11:01:20
